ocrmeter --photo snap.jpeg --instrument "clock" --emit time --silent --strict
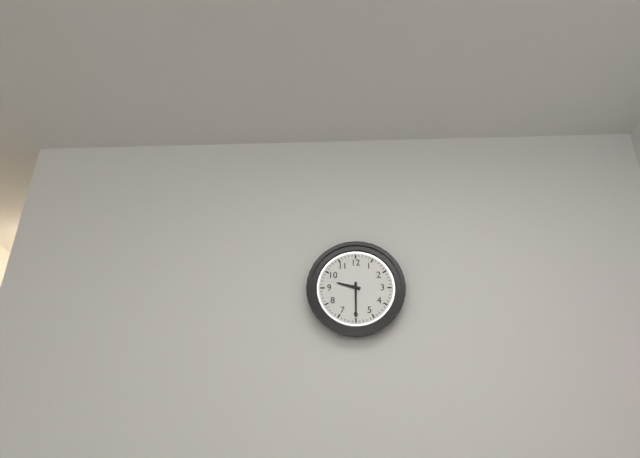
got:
9:30
